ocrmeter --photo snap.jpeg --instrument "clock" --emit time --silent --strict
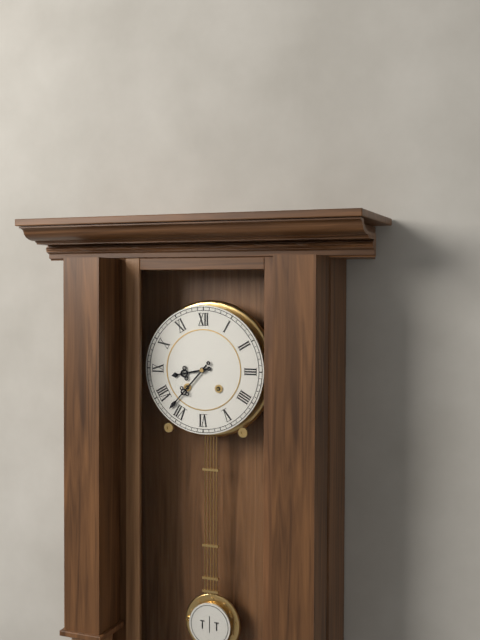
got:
8:37
